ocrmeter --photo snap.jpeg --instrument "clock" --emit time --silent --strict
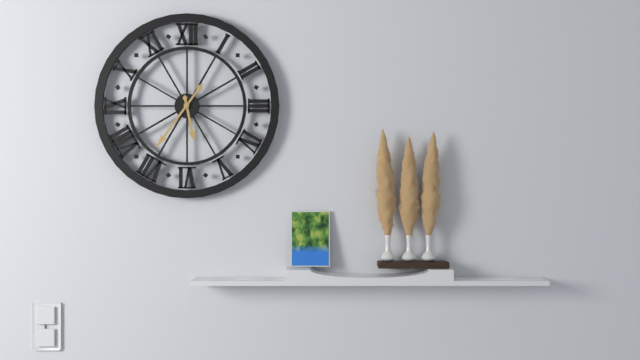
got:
5:36
